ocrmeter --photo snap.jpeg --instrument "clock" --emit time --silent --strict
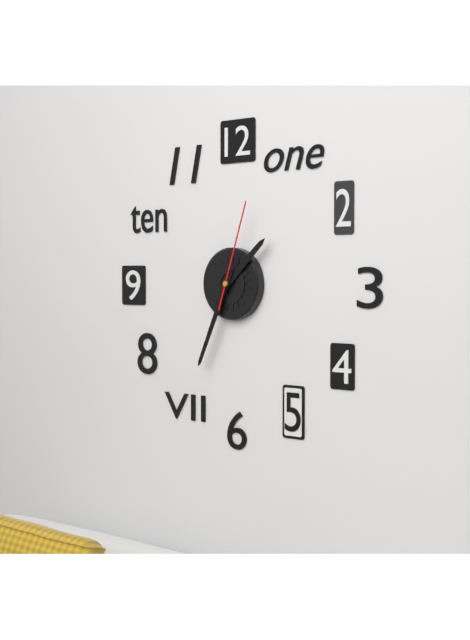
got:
1:34:03
